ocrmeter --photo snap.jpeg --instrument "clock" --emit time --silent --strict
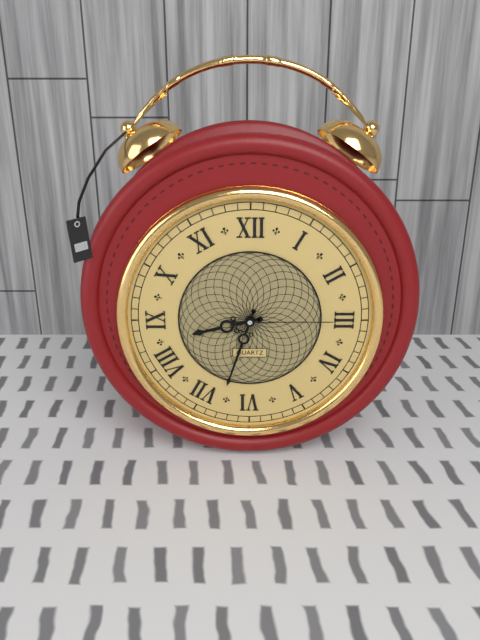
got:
8:33:15
